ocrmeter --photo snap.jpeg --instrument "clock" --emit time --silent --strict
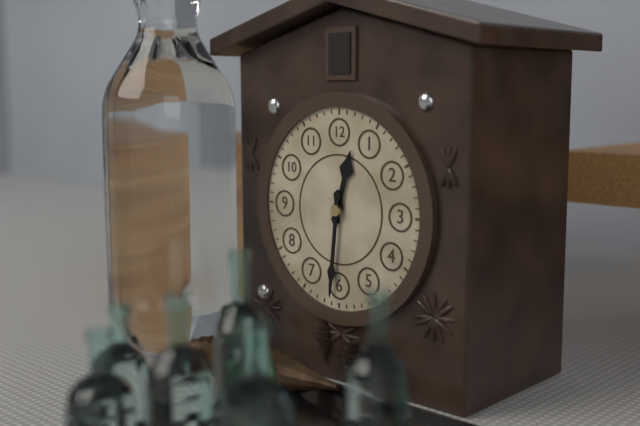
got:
12:31
